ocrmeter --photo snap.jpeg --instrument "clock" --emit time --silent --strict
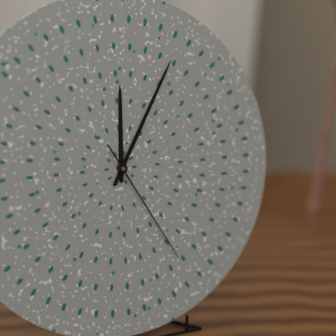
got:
12:05:25
